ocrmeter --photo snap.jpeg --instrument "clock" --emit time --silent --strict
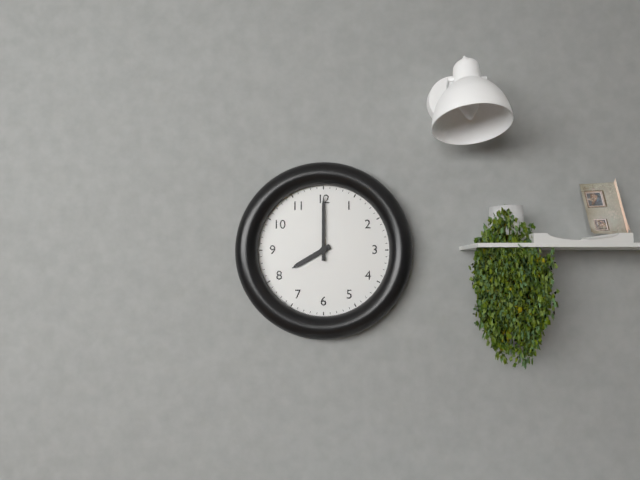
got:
8:00
